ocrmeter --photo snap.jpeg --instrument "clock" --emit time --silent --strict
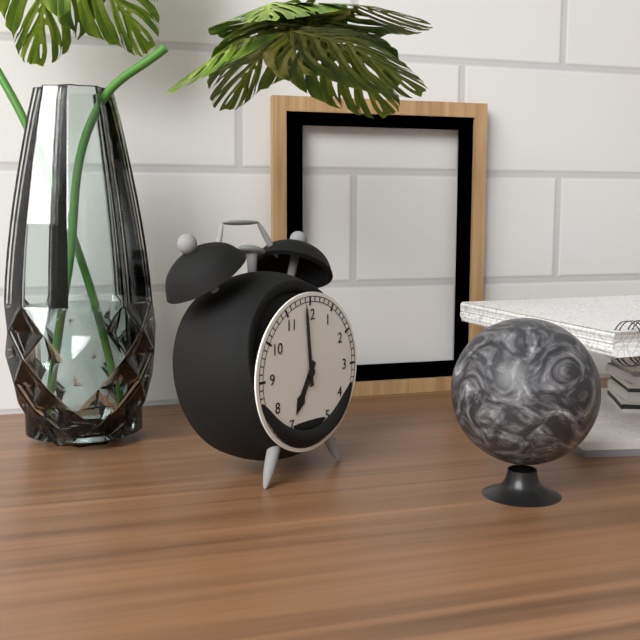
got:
6:59
